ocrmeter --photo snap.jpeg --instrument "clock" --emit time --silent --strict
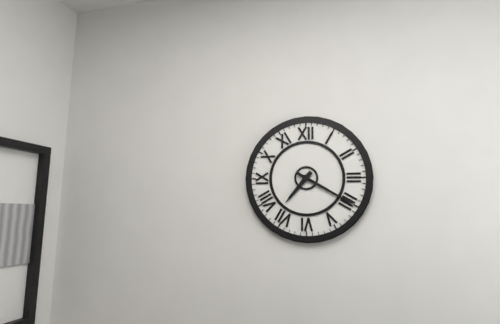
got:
7:20
